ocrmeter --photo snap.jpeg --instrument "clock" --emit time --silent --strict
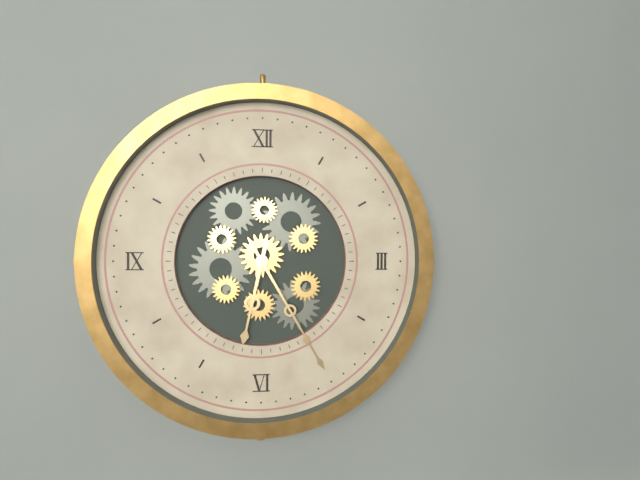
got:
6:25
